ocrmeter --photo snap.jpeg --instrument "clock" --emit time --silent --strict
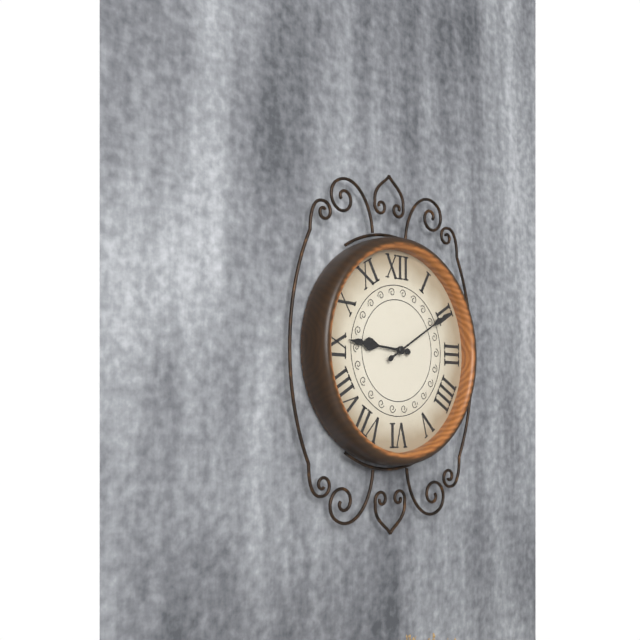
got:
9:10
